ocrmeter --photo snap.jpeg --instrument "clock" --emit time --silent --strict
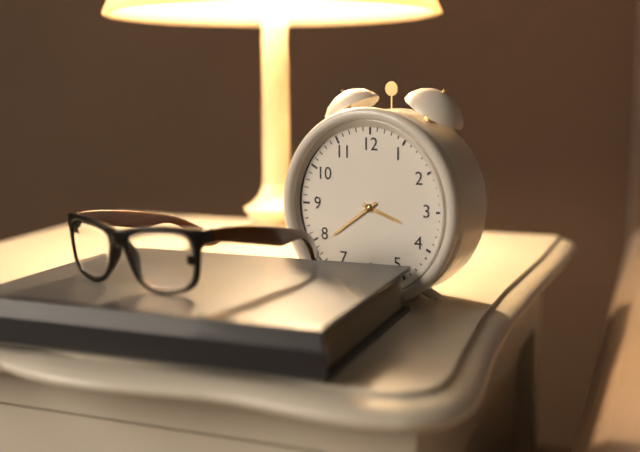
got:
3:39
